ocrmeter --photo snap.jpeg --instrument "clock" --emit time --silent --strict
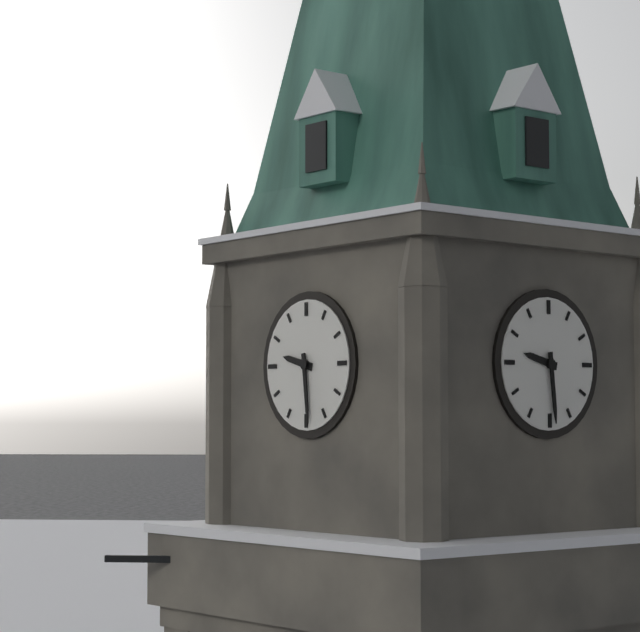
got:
9:29
